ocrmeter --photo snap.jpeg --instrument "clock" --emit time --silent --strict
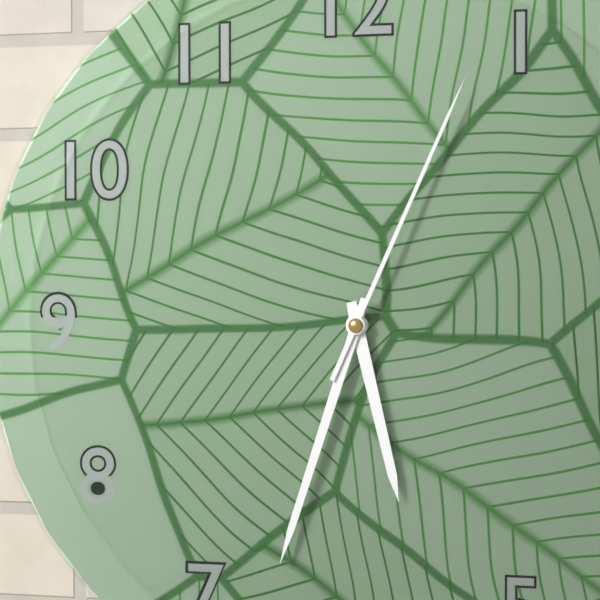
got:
5:33:04
